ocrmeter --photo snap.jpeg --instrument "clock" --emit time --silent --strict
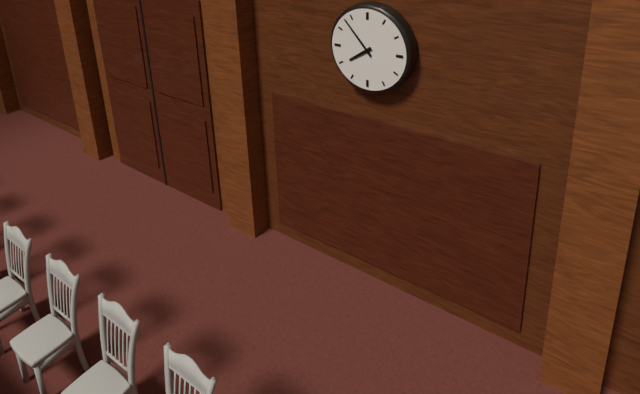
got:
7:53
